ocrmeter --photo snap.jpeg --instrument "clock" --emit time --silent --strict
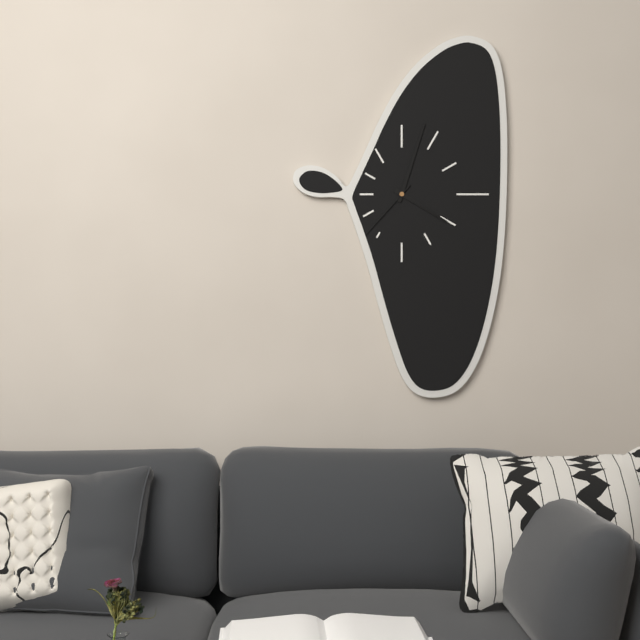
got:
4:03:37
